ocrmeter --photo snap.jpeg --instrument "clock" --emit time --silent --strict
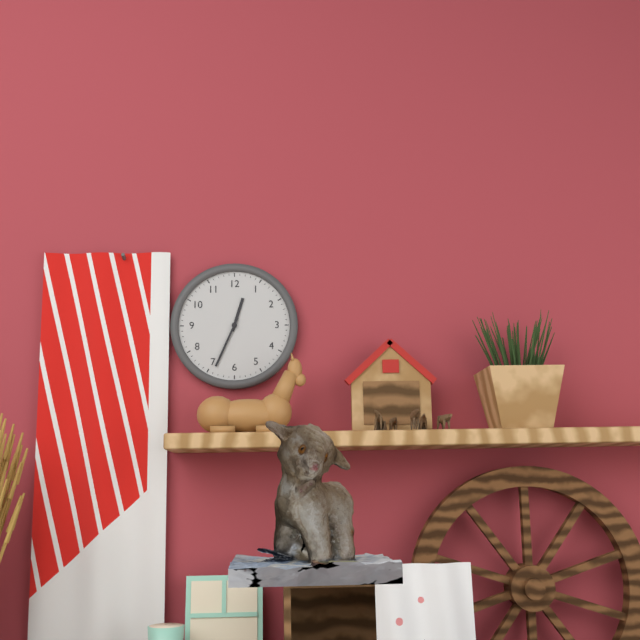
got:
12:34
